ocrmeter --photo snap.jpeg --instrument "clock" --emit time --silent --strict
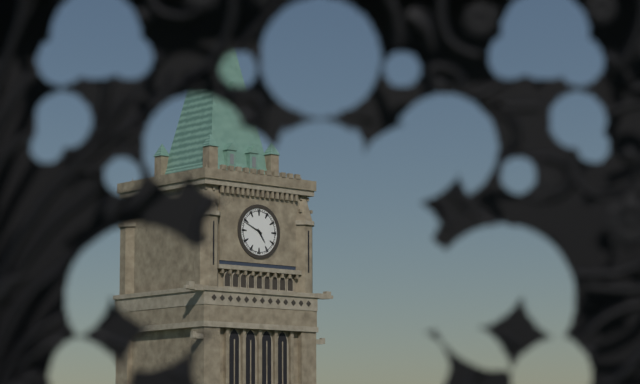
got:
4:49
